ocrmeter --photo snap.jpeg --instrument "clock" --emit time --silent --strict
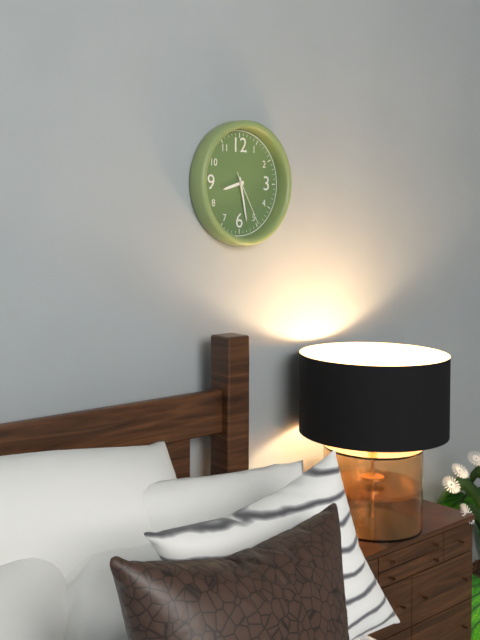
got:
8:28:25
